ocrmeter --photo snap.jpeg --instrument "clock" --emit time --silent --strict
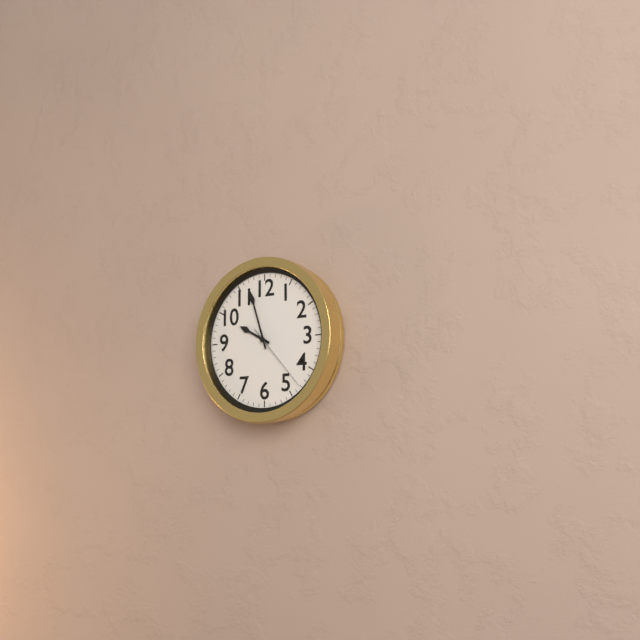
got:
9:57:23
